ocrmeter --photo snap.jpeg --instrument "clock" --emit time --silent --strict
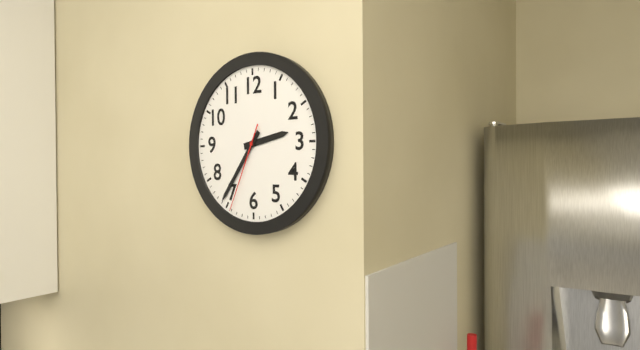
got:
2:36:34
